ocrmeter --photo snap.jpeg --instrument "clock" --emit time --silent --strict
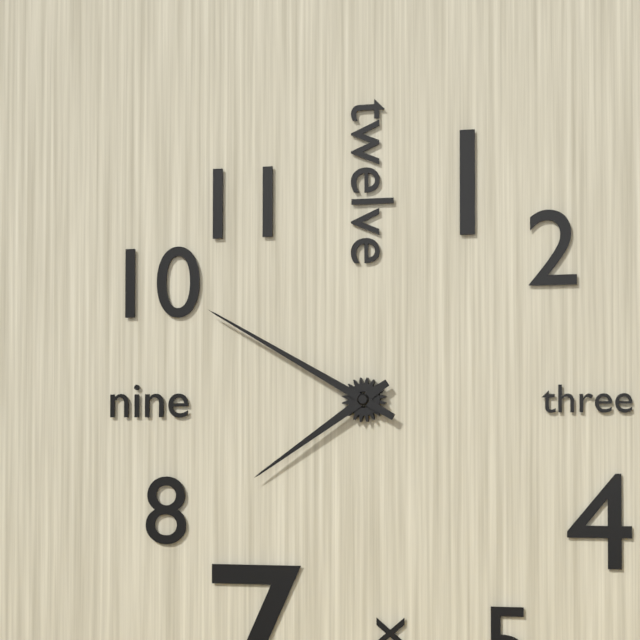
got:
7:50
